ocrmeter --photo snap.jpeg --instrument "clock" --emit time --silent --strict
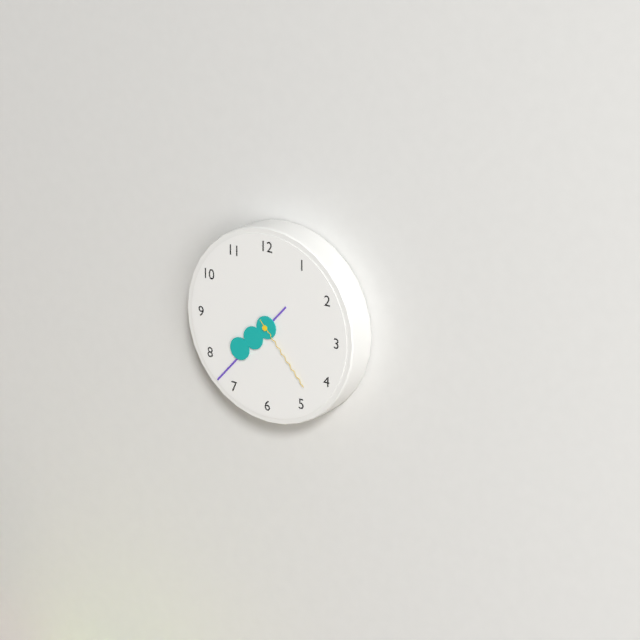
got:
7:37:23
